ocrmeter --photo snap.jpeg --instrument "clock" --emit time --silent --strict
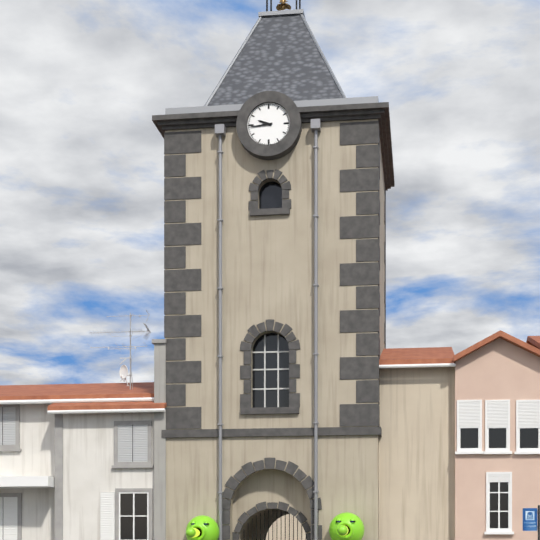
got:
9:44
